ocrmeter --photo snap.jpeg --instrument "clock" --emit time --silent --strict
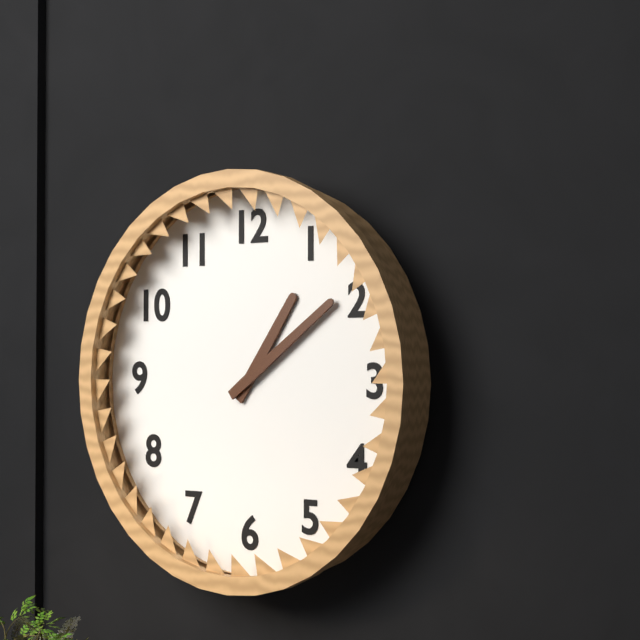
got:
1:09
